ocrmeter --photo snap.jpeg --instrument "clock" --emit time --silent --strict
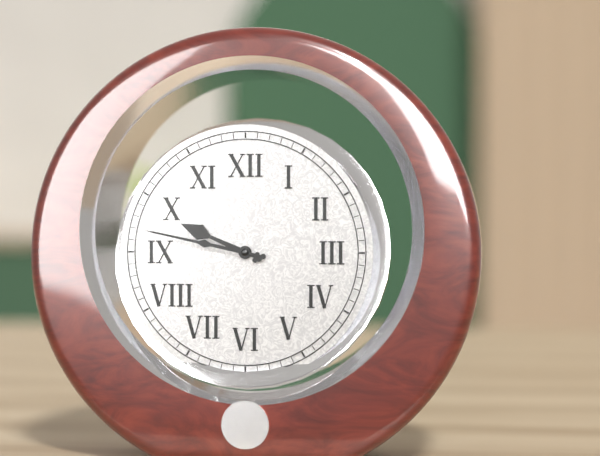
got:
9:47
